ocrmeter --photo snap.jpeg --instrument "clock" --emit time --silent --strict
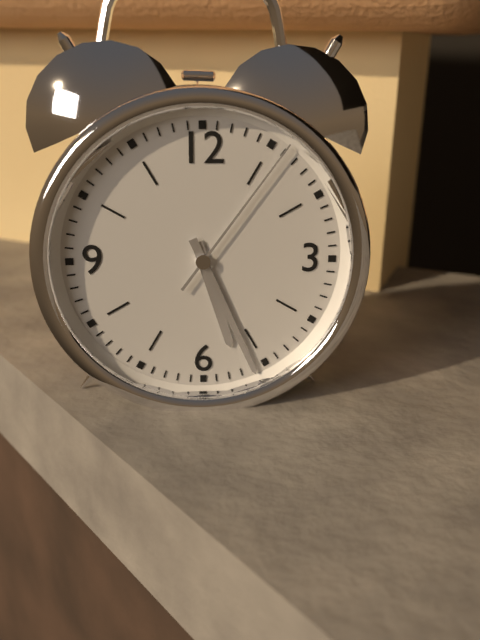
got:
5:26:06
